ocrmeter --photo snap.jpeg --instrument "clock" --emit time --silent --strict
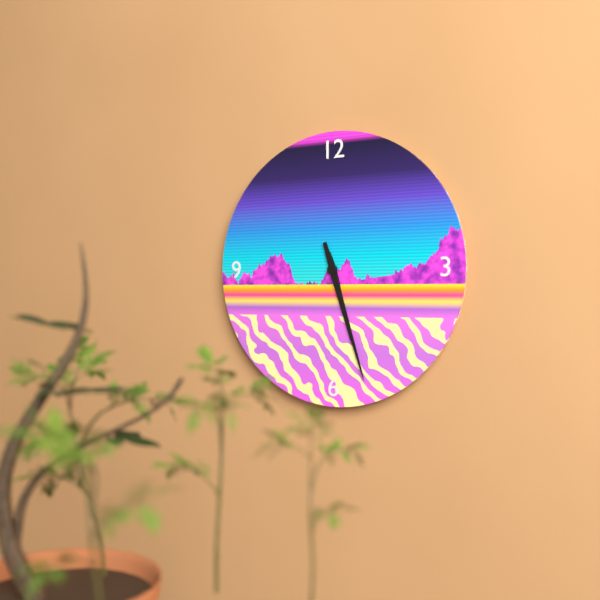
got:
5:27
